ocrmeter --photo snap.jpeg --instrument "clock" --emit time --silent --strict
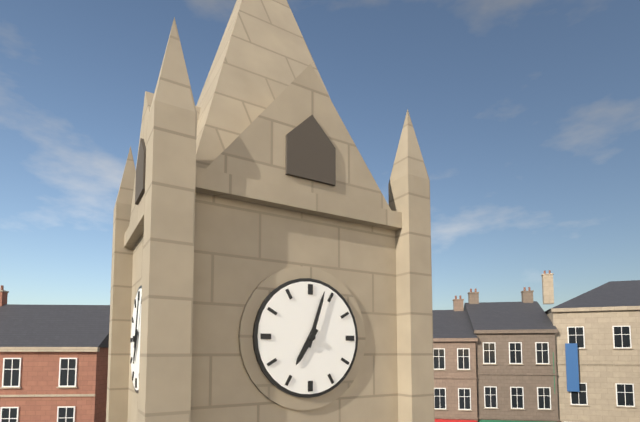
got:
7:03
